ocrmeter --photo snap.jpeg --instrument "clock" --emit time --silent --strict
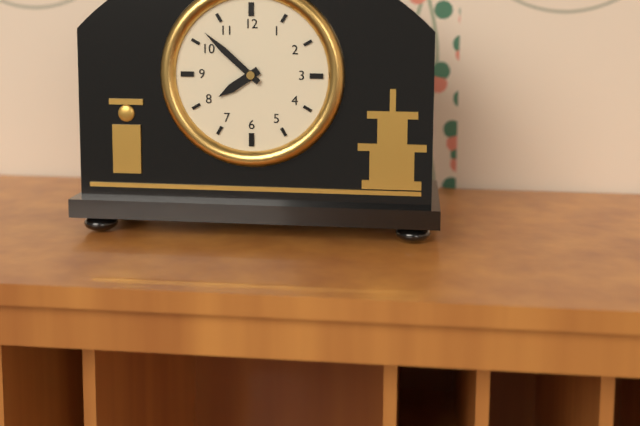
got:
7:52
